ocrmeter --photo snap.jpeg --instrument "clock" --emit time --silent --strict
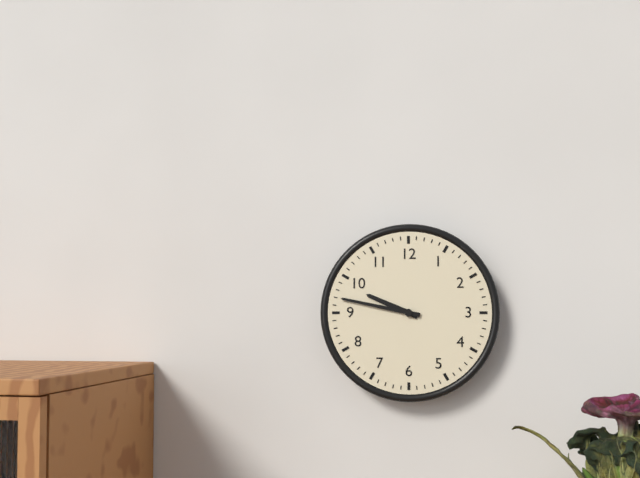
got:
9:47
